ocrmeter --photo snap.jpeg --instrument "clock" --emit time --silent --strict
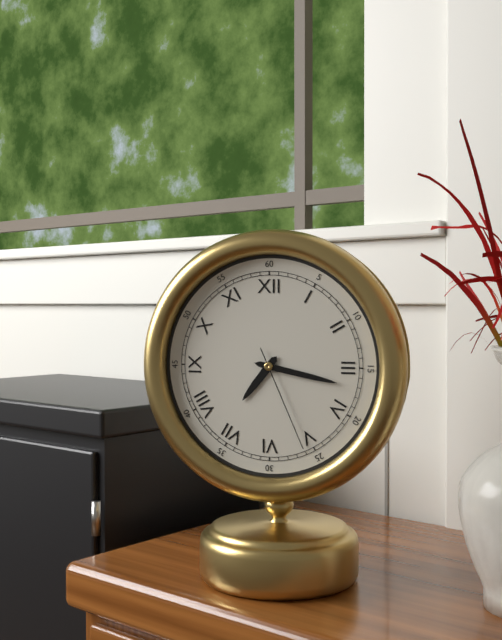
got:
7:17:26
